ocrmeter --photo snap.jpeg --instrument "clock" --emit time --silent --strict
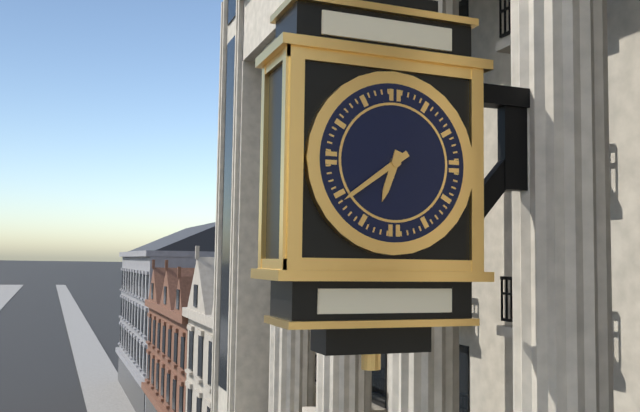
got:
6:39
